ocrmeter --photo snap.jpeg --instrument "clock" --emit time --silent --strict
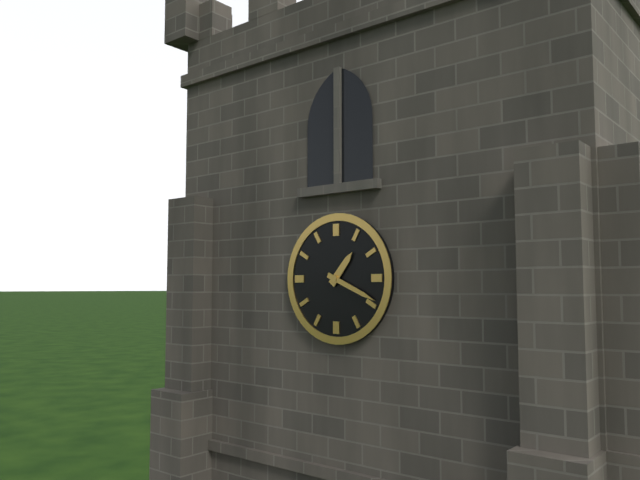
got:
1:19
